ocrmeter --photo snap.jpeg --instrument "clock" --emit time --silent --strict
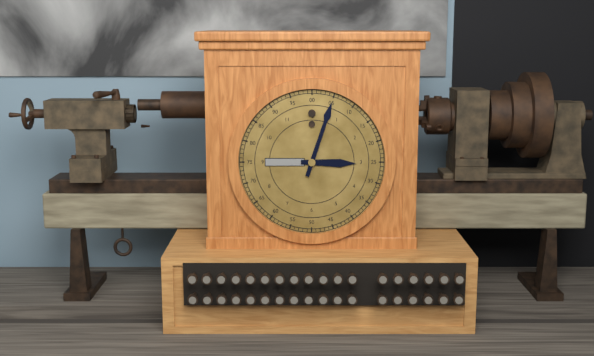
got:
3:03
